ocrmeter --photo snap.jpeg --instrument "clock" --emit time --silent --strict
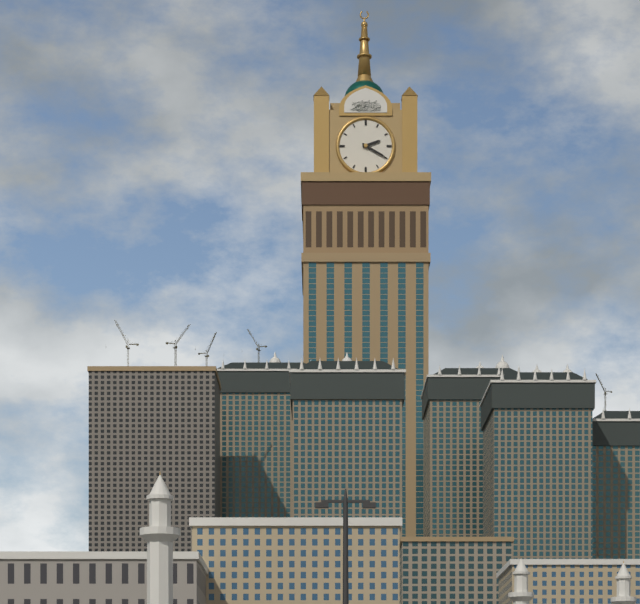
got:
2:20
